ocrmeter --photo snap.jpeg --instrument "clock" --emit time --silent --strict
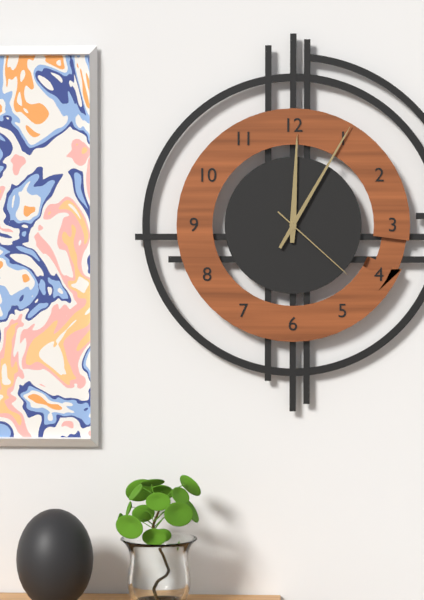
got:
12:05:22
